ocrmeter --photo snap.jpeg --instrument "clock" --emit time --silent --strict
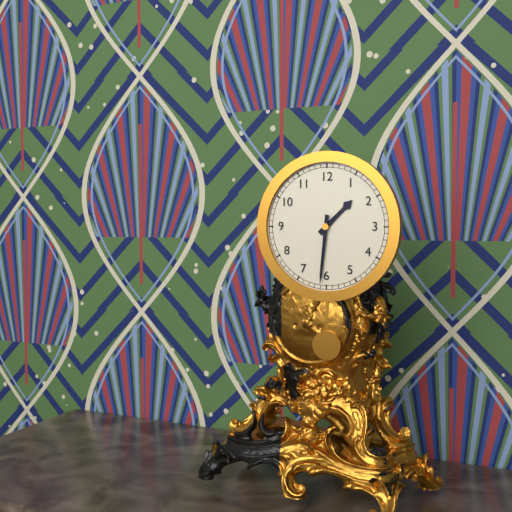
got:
1:31
